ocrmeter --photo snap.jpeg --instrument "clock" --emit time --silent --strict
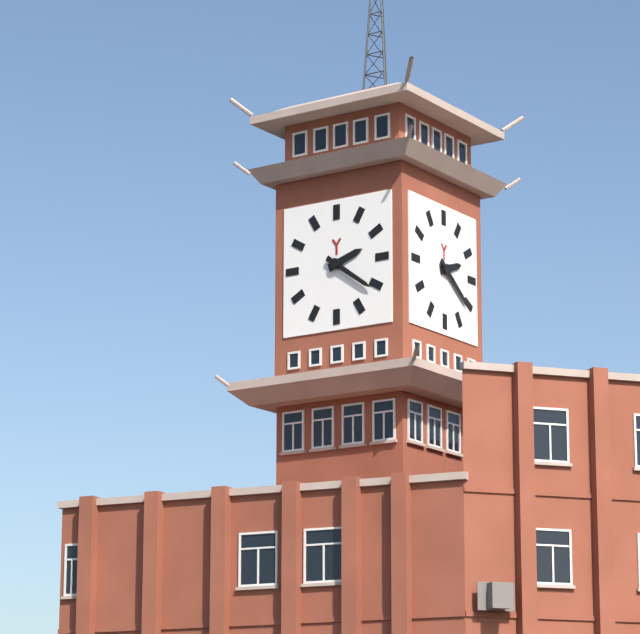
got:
2:21
